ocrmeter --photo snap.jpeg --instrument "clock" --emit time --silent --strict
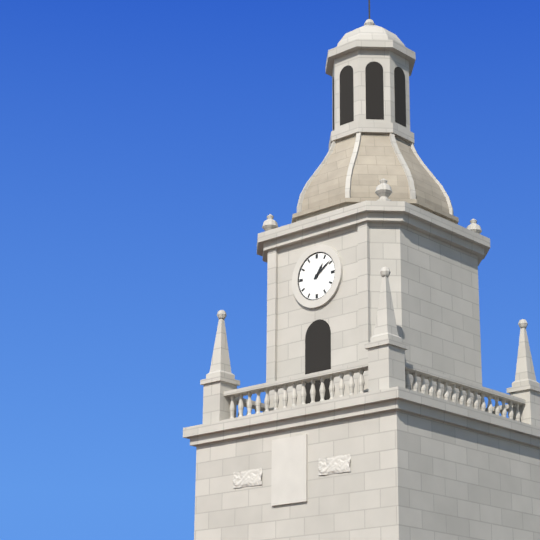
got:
1:09
